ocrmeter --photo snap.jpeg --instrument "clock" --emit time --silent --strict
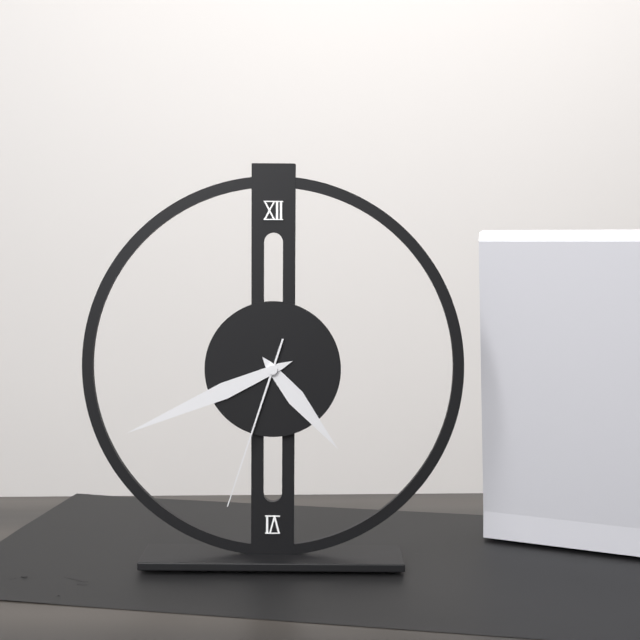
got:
4:41:33
